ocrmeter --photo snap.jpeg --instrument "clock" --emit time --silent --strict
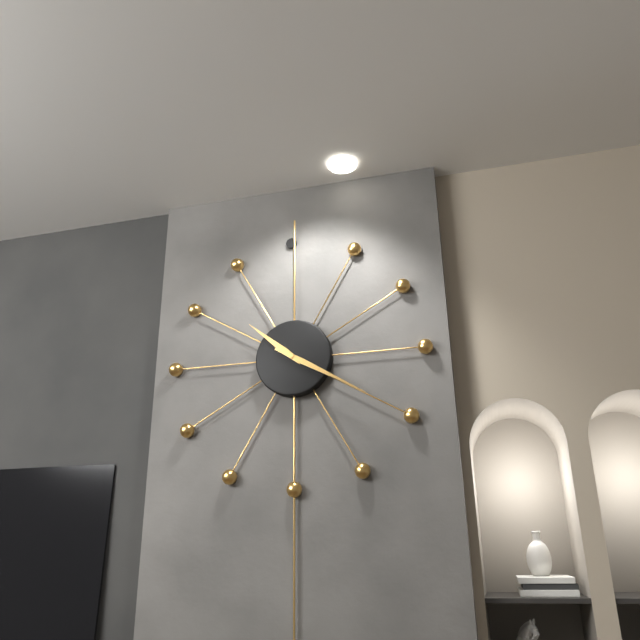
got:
10:20
